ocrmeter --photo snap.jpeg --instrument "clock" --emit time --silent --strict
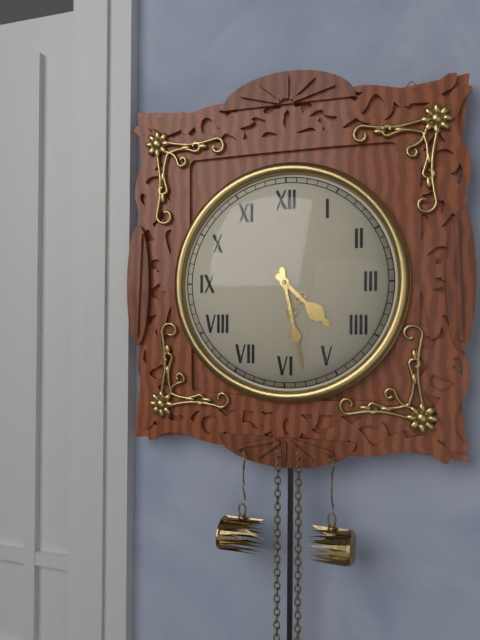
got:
4:28
